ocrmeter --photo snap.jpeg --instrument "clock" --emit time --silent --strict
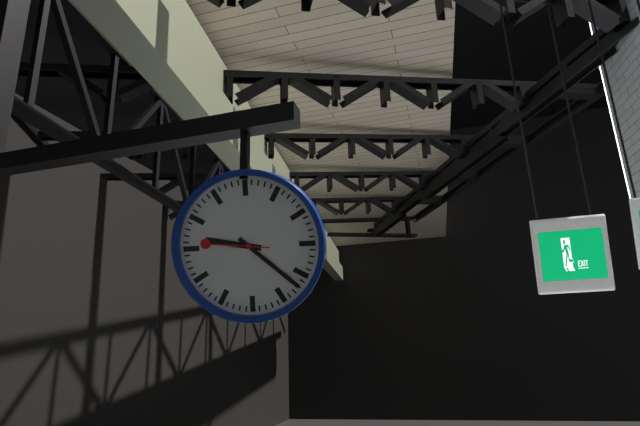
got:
9:22:46
